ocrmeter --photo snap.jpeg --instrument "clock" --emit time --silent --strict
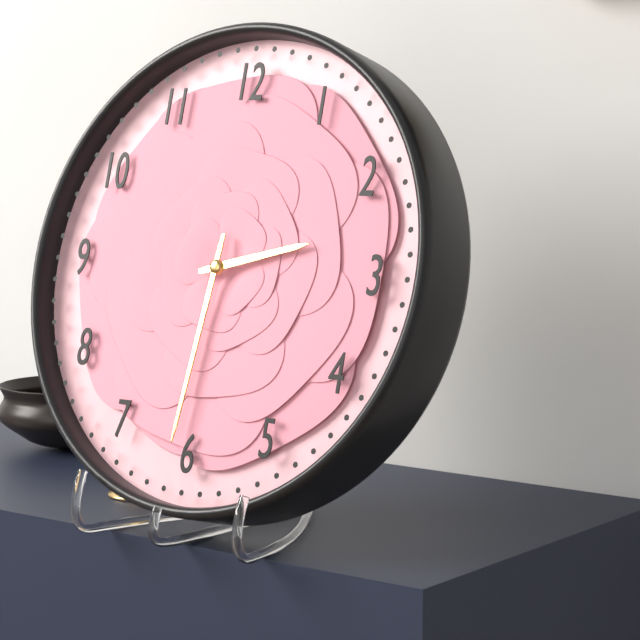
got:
2:31
